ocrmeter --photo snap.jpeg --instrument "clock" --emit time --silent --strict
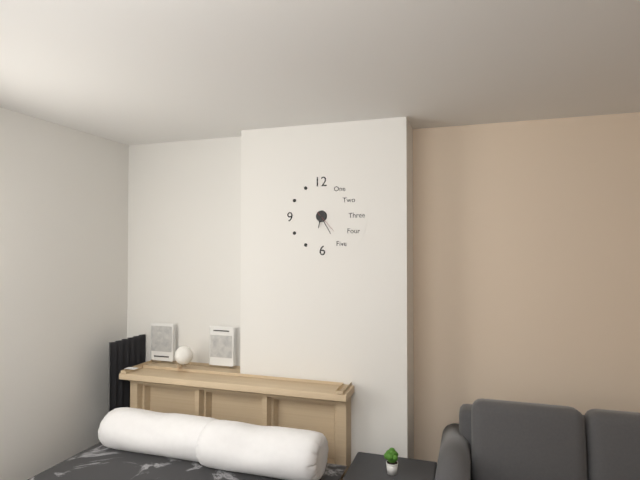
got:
6:25
